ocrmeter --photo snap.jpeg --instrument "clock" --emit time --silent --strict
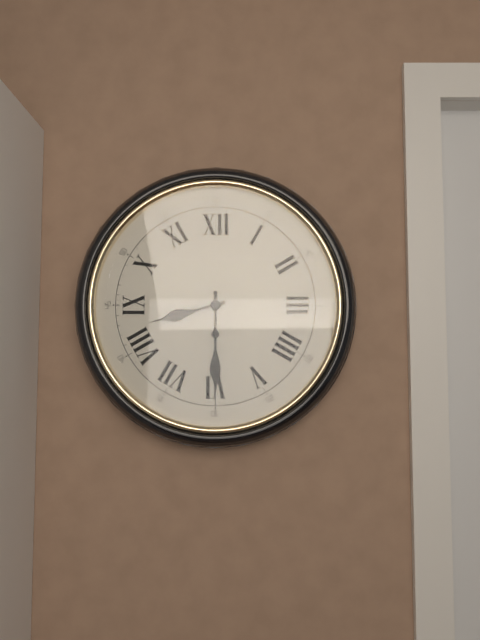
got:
8:30
